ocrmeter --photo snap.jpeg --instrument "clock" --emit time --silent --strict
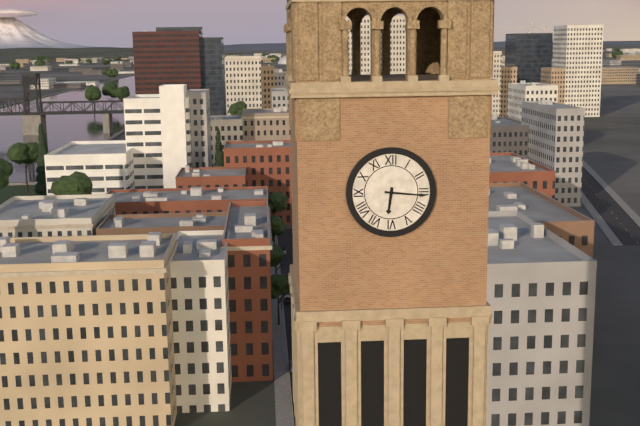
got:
6:16
